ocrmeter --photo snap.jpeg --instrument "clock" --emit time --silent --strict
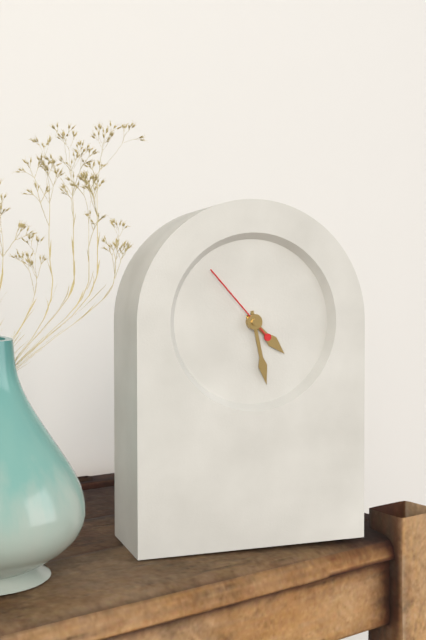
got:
4:28:53
